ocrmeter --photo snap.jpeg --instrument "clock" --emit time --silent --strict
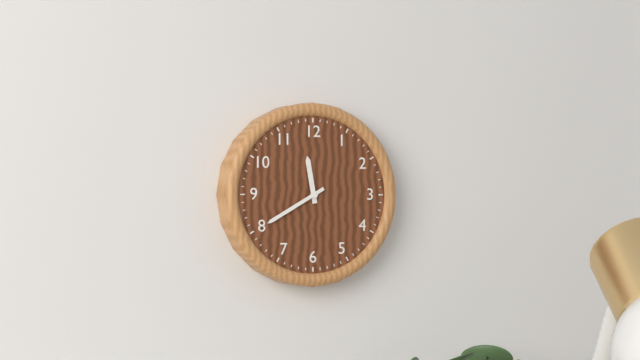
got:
11:40
